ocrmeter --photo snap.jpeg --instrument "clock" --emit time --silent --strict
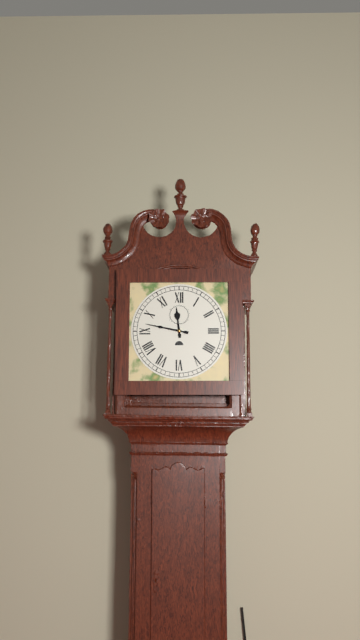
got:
11:47
